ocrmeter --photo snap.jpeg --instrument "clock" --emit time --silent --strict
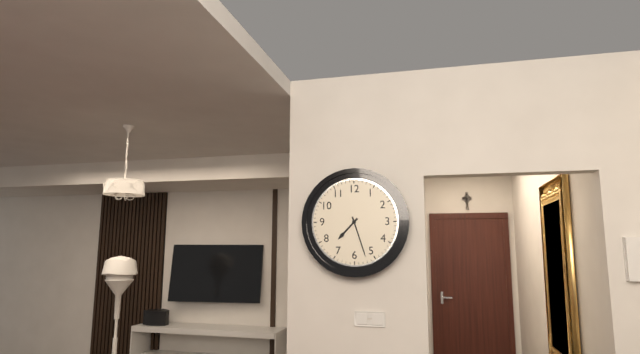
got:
7:27
